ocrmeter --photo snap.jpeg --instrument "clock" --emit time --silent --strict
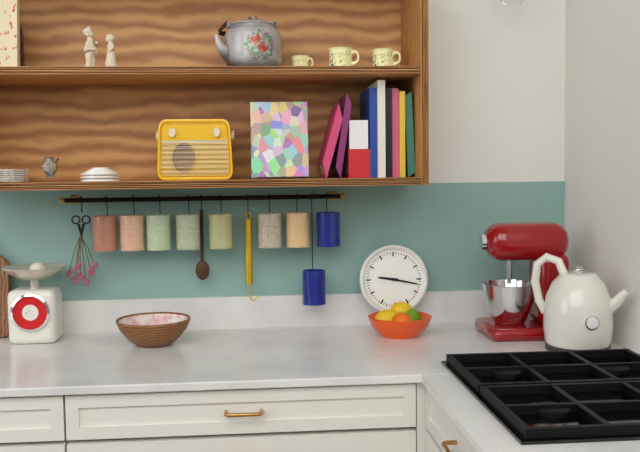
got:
9:17
